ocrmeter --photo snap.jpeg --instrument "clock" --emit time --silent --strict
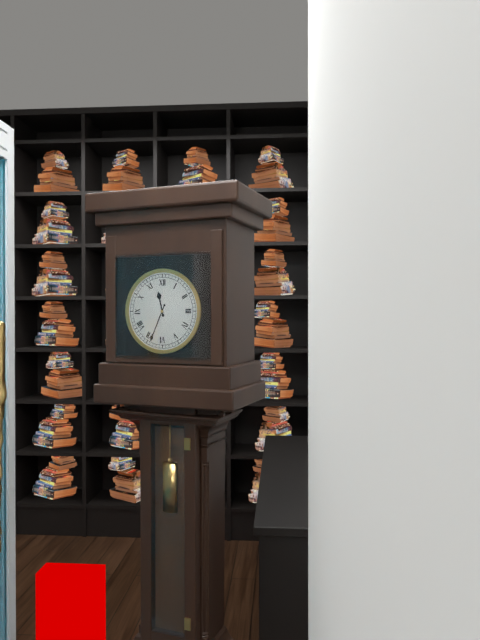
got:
11:34
